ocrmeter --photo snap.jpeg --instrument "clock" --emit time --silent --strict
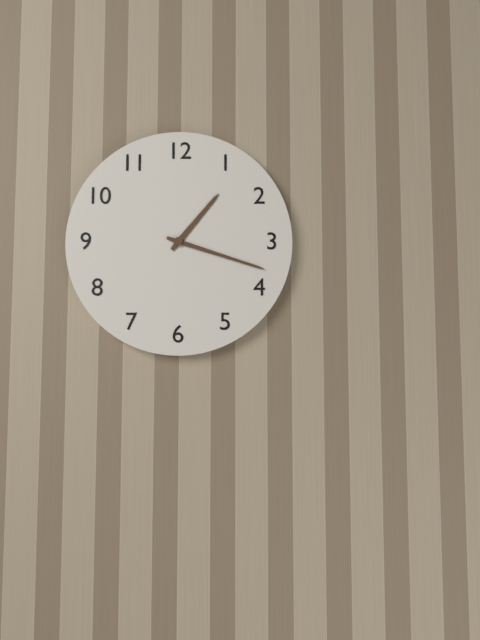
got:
1:18
